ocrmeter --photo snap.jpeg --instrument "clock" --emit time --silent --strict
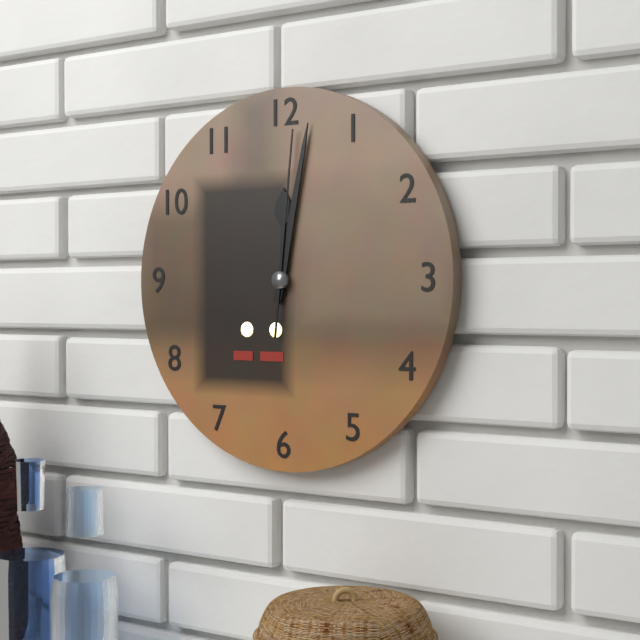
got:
12:02:01
